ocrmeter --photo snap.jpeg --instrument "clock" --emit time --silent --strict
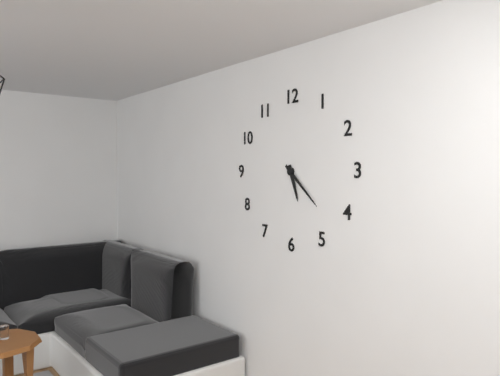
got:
5:22
